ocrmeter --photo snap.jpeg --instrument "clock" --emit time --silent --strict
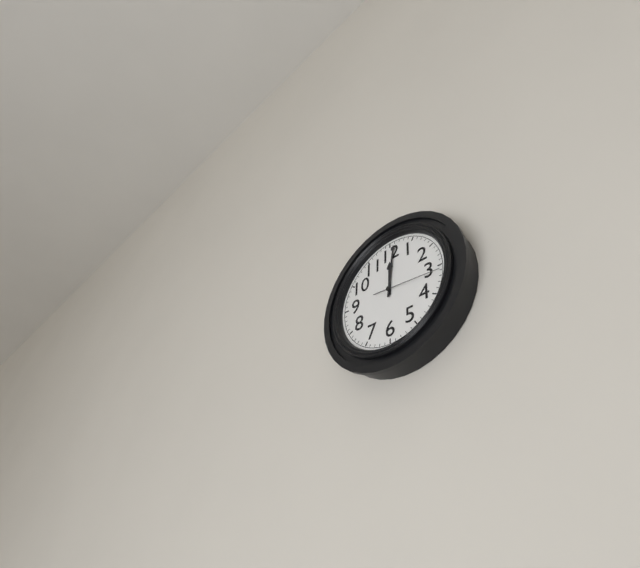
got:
12:01:16
